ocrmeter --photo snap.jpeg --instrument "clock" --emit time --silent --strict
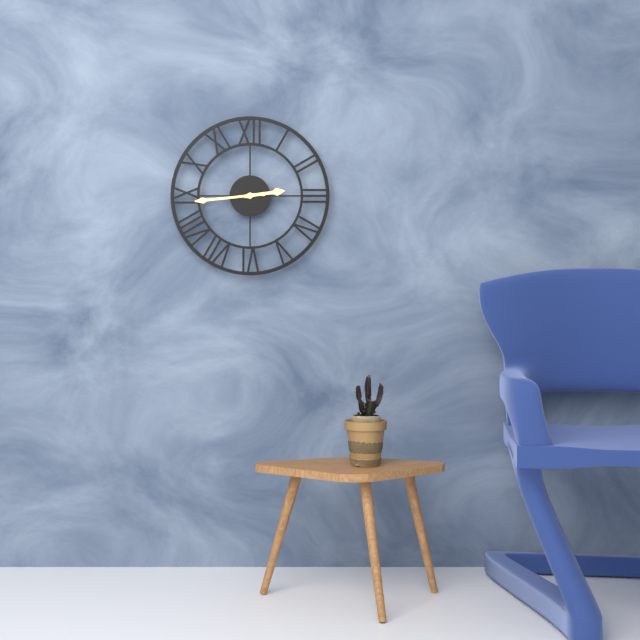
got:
2:44
